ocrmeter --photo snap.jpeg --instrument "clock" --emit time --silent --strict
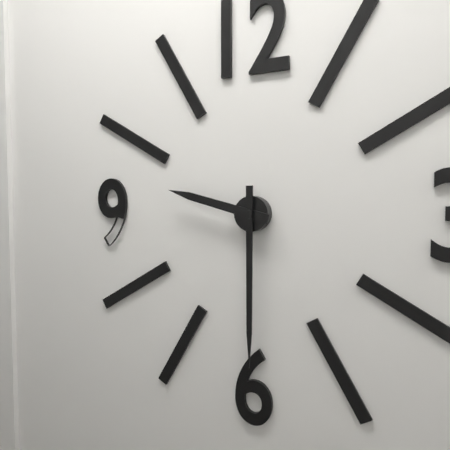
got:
9:30
